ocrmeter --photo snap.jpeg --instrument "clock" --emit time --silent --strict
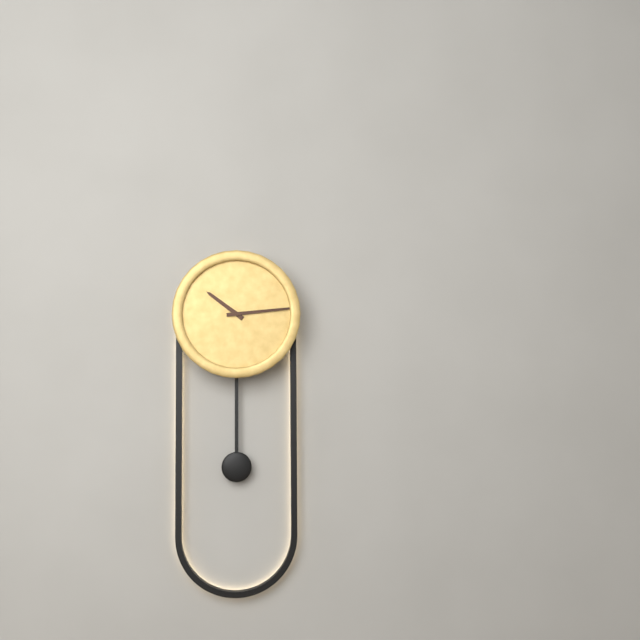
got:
10:14
